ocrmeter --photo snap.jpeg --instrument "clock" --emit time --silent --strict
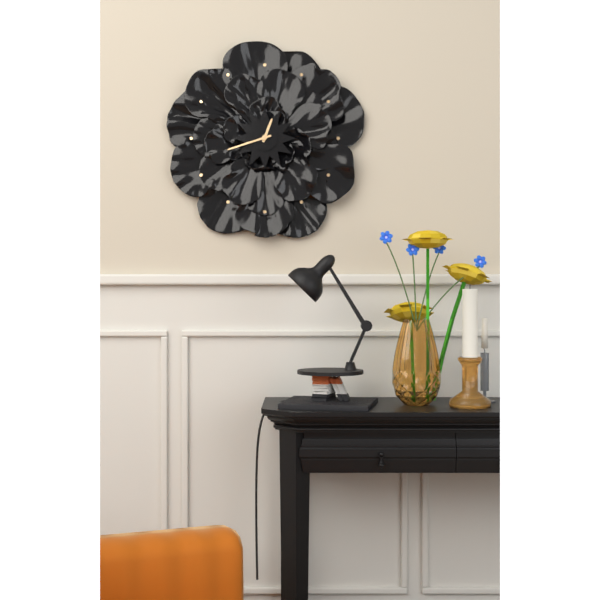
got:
12:42
